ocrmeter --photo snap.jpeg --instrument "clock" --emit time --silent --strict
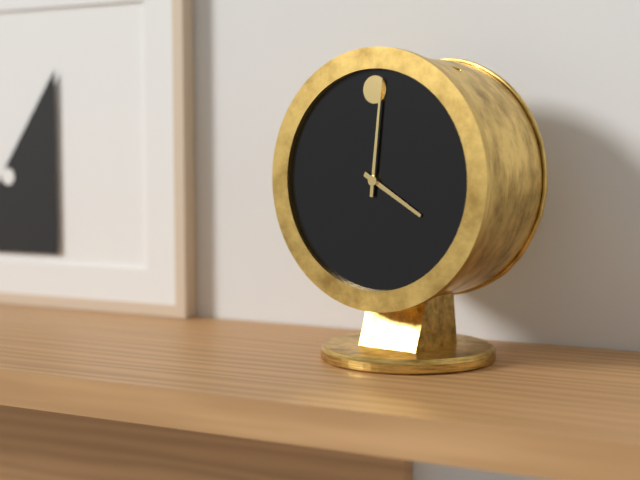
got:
4:01
